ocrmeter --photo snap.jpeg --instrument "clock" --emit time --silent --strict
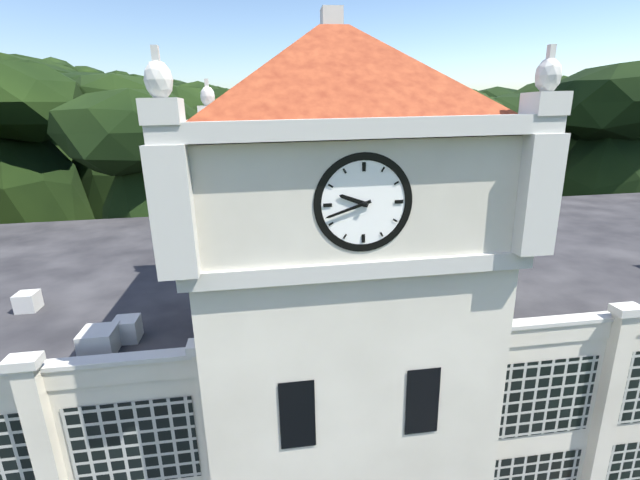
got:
9:42
